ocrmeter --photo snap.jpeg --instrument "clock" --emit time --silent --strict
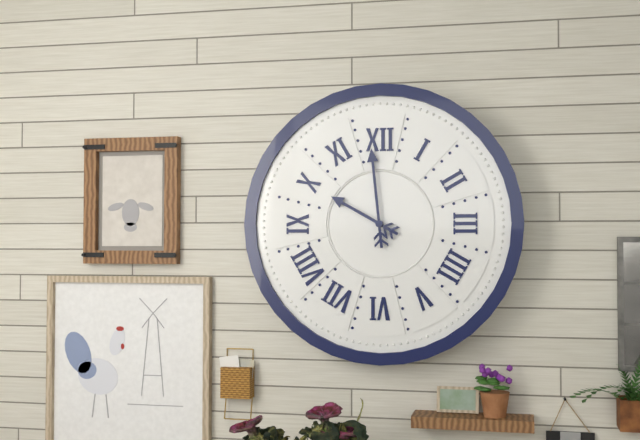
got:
9:59
